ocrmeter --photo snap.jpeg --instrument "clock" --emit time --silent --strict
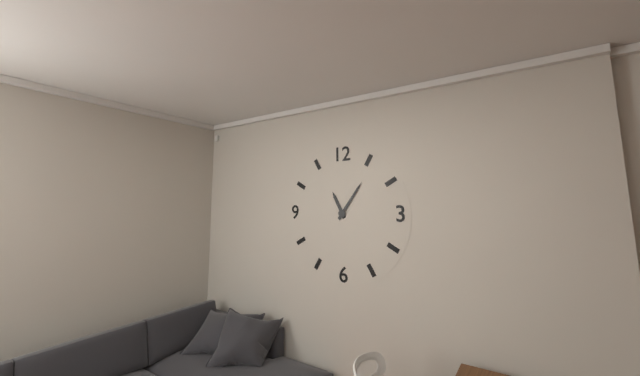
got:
11:06
